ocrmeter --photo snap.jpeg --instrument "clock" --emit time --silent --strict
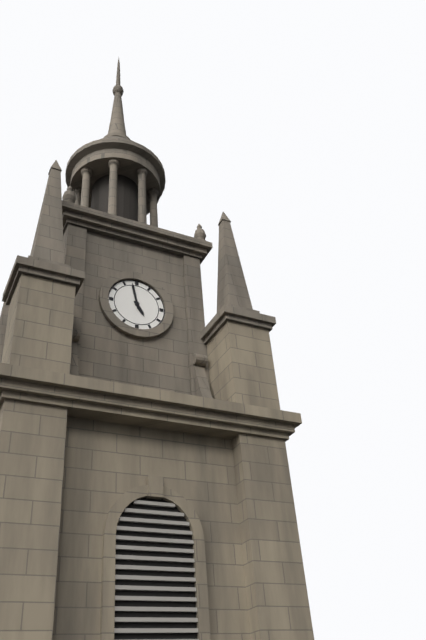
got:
4:58
